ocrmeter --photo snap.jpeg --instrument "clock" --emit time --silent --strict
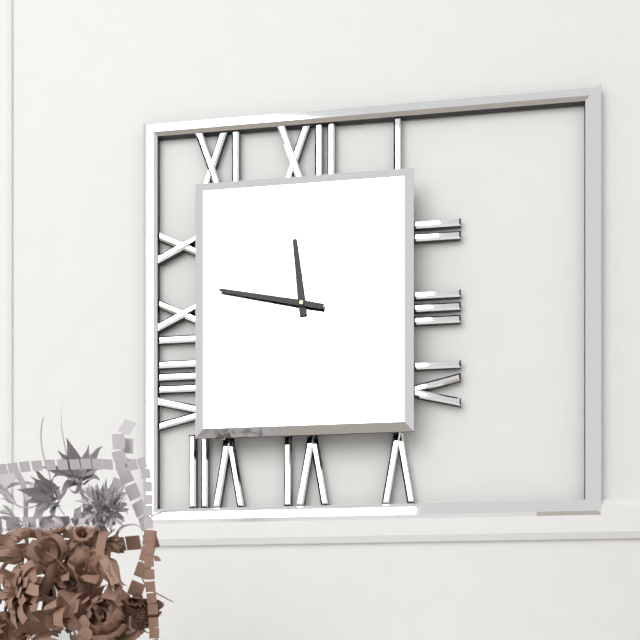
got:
11:47
